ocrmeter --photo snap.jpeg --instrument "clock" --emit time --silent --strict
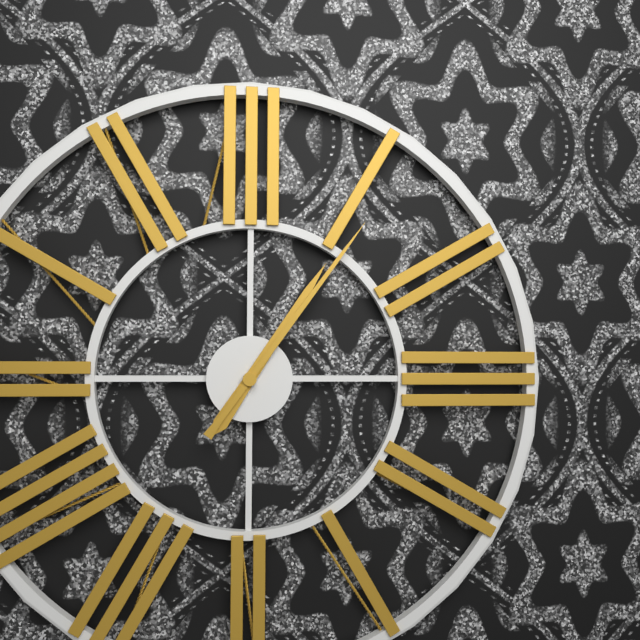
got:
1:06
